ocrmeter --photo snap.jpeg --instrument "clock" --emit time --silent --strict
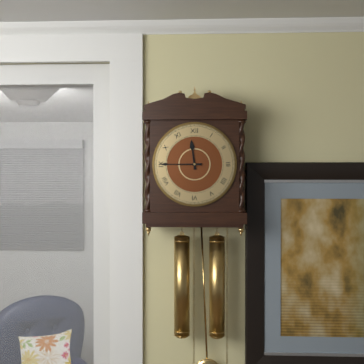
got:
11:45
